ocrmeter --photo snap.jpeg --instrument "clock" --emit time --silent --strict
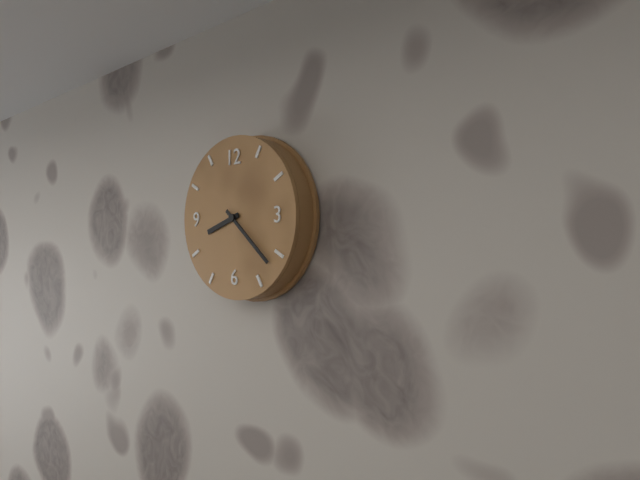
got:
8:22
